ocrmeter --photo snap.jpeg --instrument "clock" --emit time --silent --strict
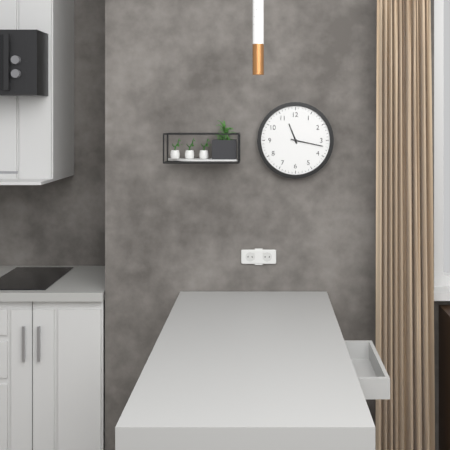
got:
11:17
